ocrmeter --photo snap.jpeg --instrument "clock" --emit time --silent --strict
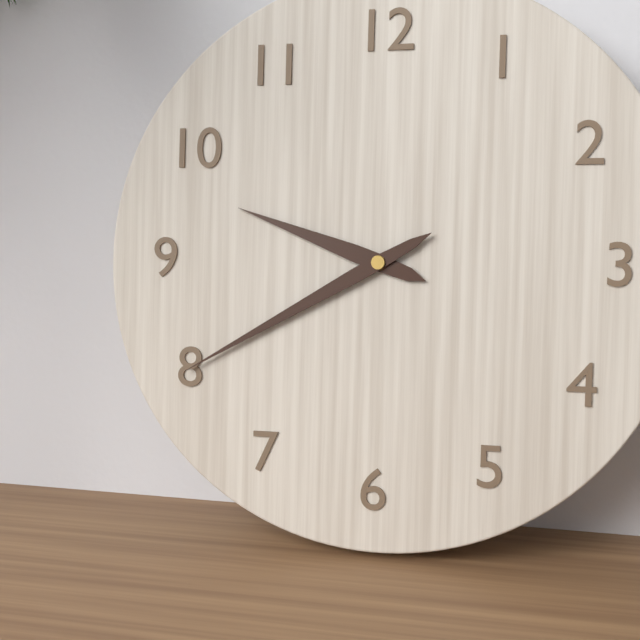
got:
9:40
